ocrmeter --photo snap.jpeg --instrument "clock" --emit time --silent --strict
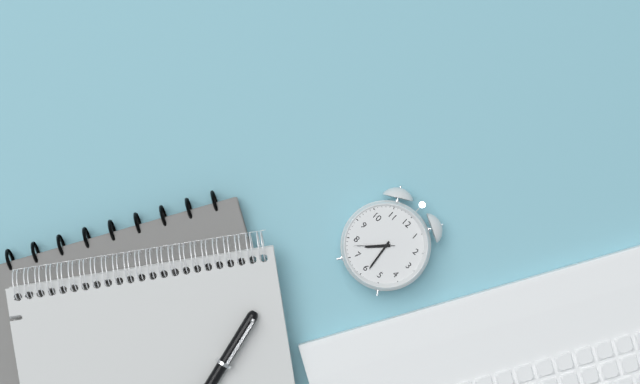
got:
7:29
